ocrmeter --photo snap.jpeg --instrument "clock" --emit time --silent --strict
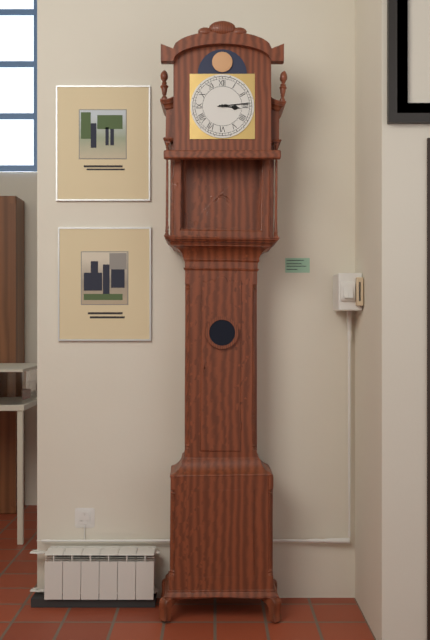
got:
3:14
